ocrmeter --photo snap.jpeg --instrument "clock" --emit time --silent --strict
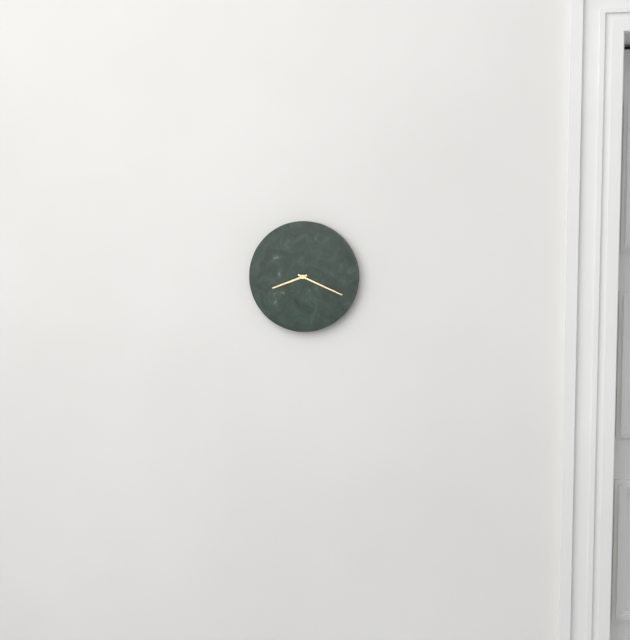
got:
8:19
